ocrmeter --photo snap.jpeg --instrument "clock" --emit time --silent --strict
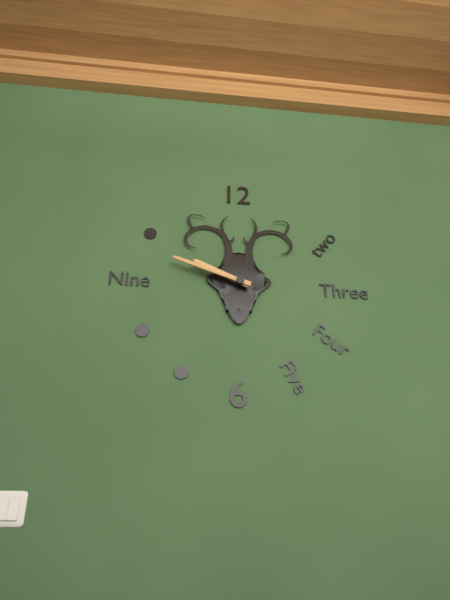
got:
9:48
